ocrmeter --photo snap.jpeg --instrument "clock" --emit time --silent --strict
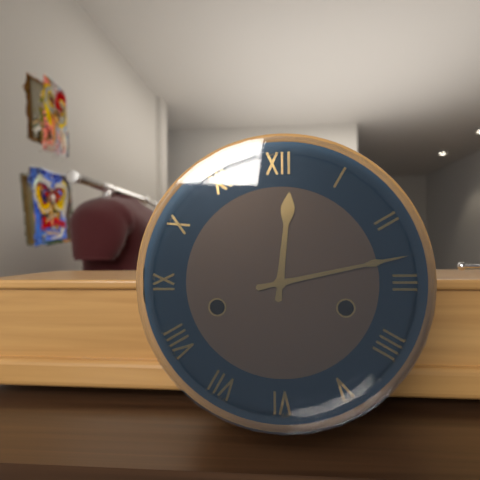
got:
12:13
